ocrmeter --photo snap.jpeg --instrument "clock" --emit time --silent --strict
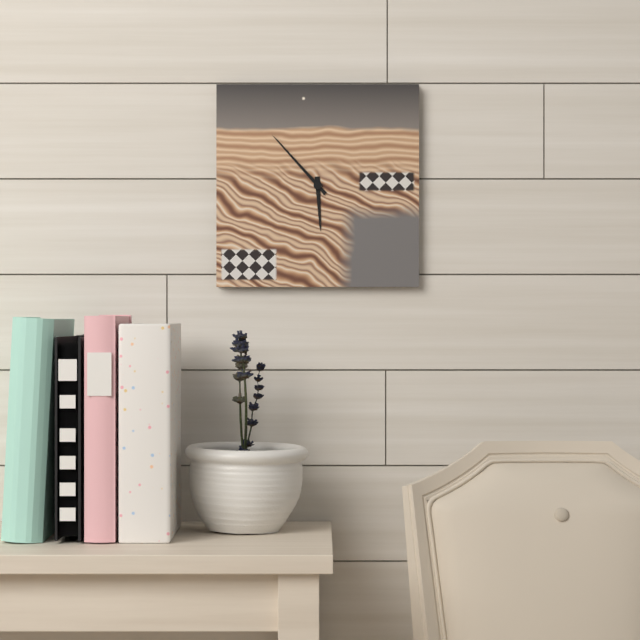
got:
5:53
